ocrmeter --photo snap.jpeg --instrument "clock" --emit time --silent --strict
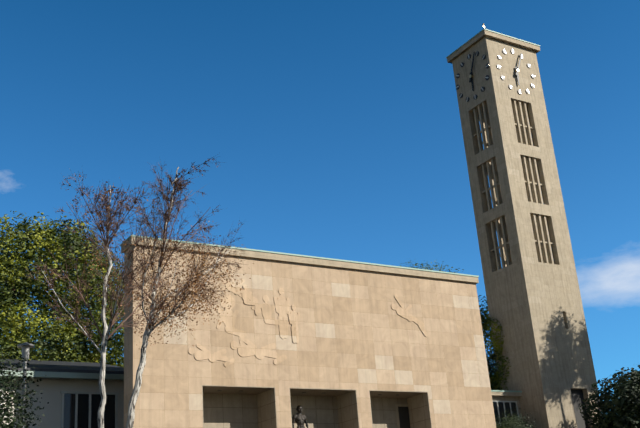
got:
6:04
